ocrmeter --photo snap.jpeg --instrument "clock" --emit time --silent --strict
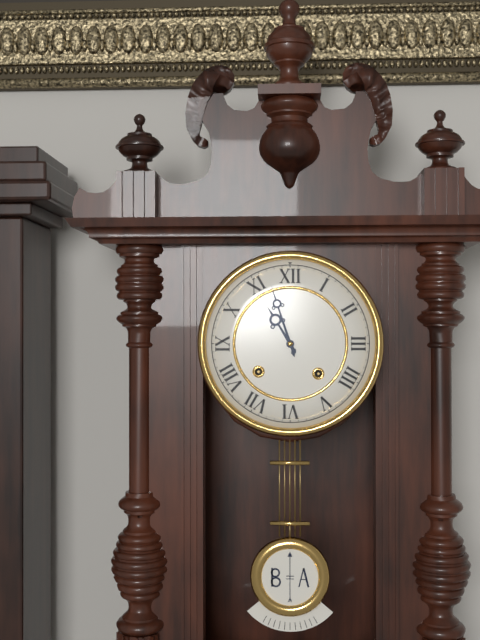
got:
10:57
